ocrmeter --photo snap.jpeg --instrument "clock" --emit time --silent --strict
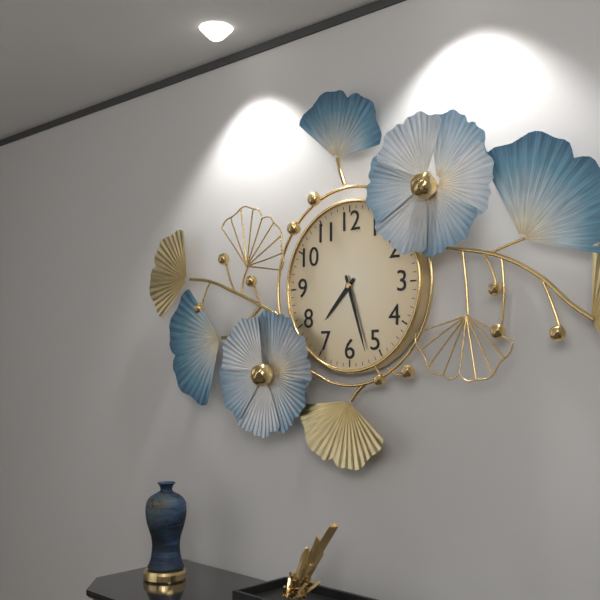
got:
7:27
